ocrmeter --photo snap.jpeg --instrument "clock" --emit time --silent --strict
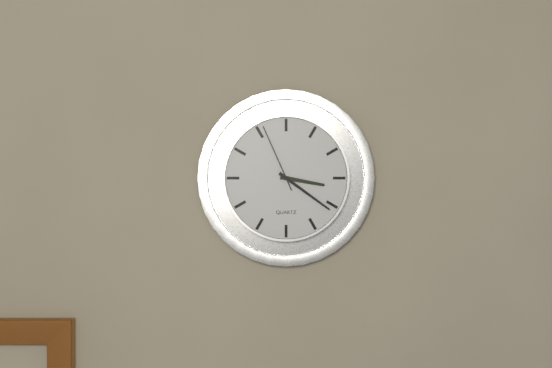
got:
3:21:56
